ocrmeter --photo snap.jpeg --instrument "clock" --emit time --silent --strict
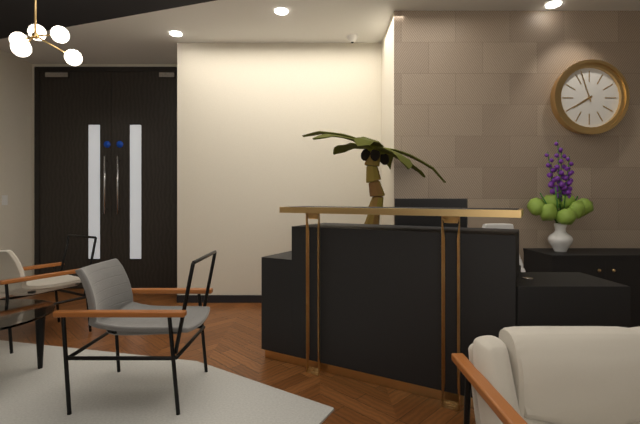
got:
7:57
